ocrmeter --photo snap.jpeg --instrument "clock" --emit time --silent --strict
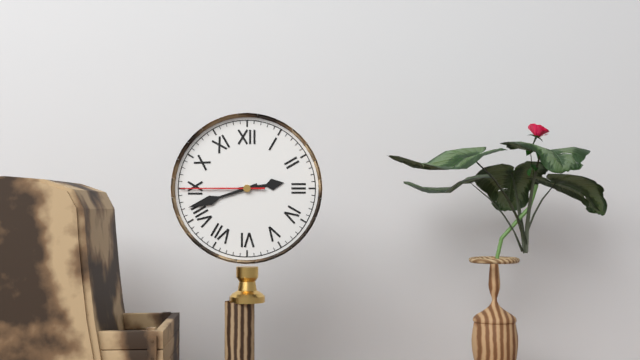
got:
2:42:45
